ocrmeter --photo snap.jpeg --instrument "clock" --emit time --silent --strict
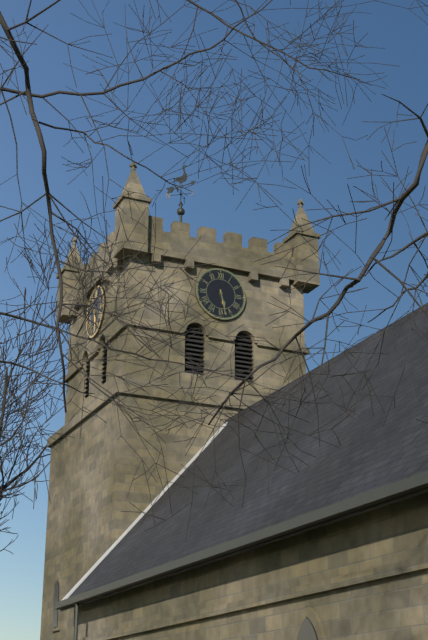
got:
5:28
